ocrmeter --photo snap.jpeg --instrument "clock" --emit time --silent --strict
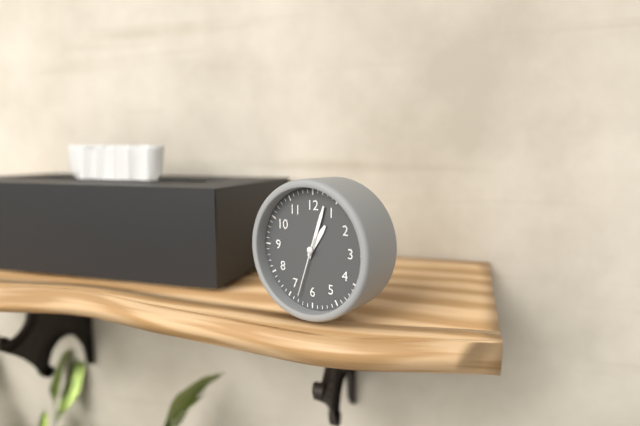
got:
1:03:33
